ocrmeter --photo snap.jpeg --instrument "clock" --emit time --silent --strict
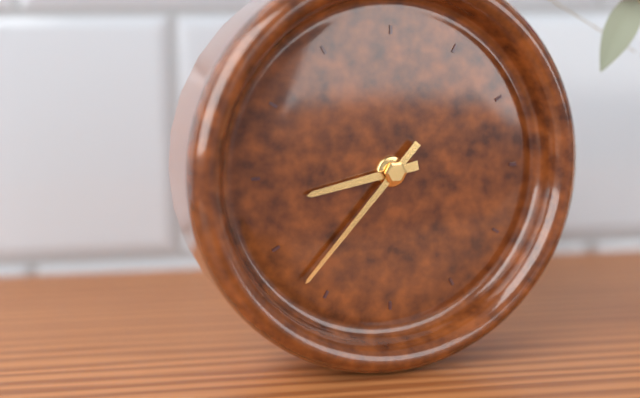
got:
8:37
